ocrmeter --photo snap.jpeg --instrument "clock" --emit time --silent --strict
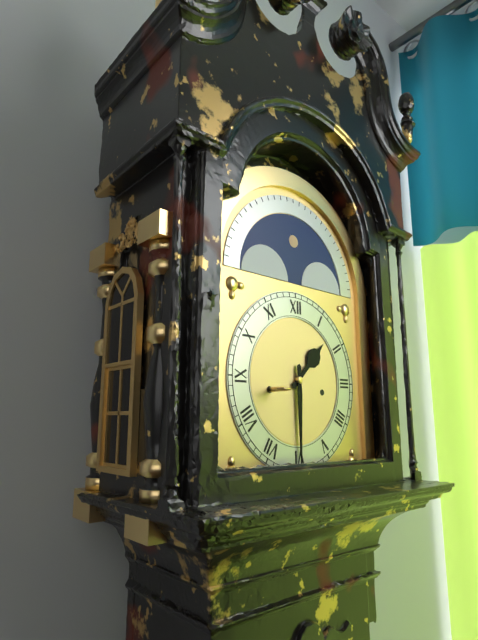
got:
1:30
